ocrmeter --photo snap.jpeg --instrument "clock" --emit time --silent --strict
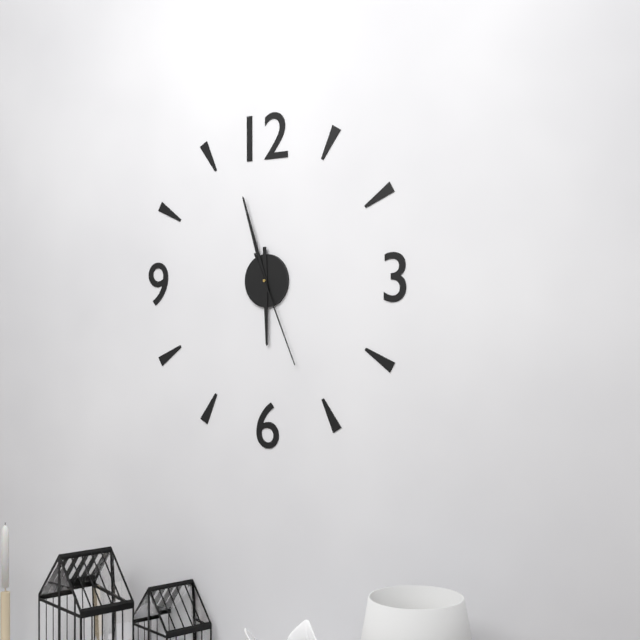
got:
5:57:26
